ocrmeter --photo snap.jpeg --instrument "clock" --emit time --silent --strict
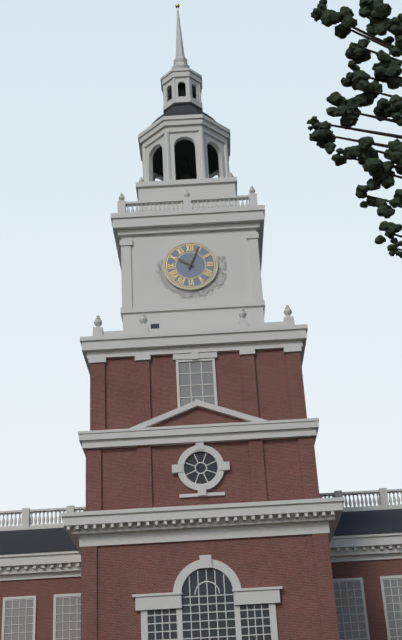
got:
10:04
